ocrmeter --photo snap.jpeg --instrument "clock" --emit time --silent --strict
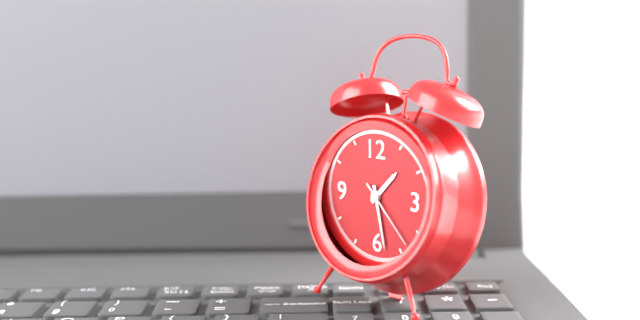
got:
1:28:23
